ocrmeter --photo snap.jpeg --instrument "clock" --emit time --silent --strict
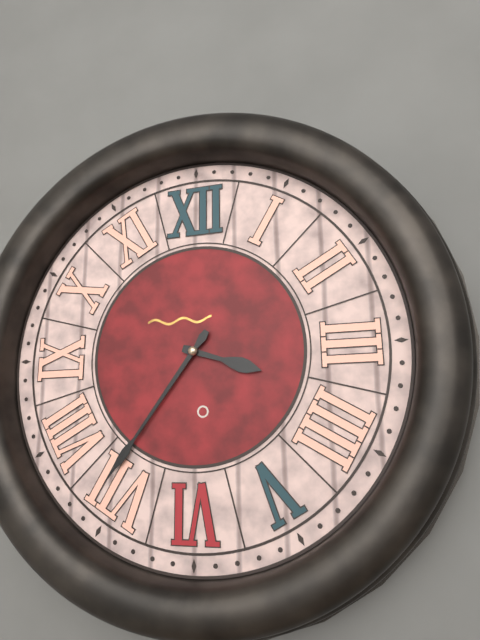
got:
3:36
